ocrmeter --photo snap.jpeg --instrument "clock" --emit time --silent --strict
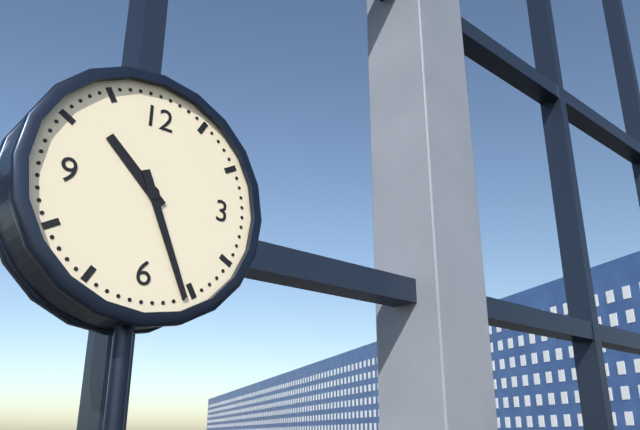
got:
10:26
